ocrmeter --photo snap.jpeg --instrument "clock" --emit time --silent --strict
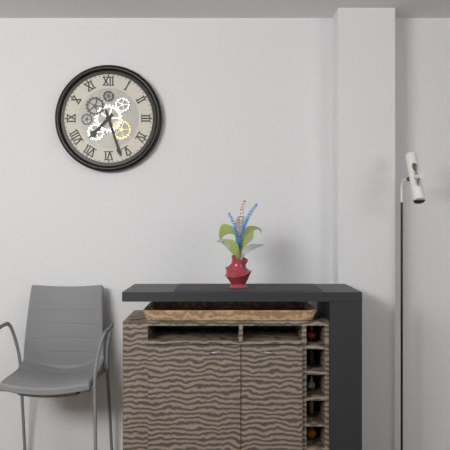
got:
7:27
